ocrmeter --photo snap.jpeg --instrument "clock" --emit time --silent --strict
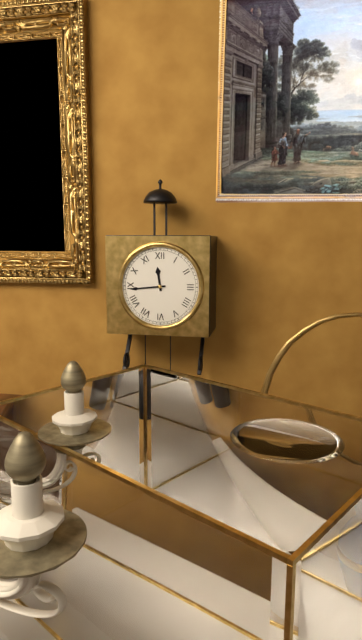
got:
11:44
